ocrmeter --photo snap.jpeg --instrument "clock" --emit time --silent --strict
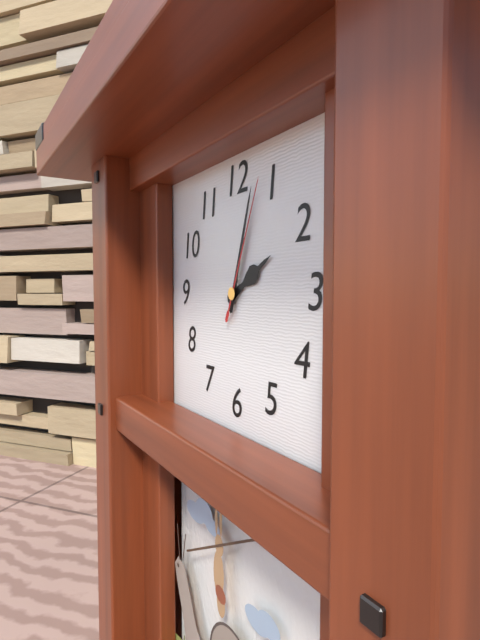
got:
2:03:04
